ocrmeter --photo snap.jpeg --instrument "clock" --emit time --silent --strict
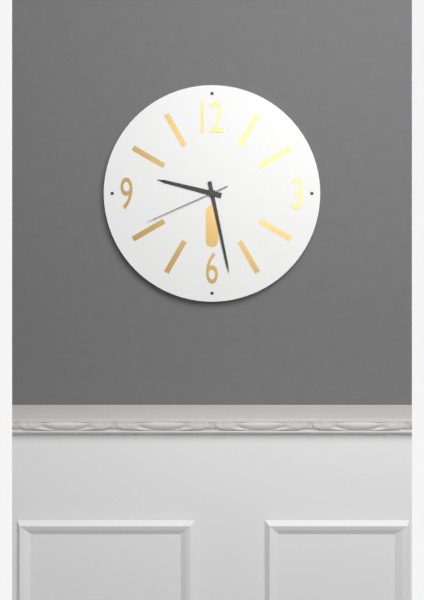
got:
9:28:41
